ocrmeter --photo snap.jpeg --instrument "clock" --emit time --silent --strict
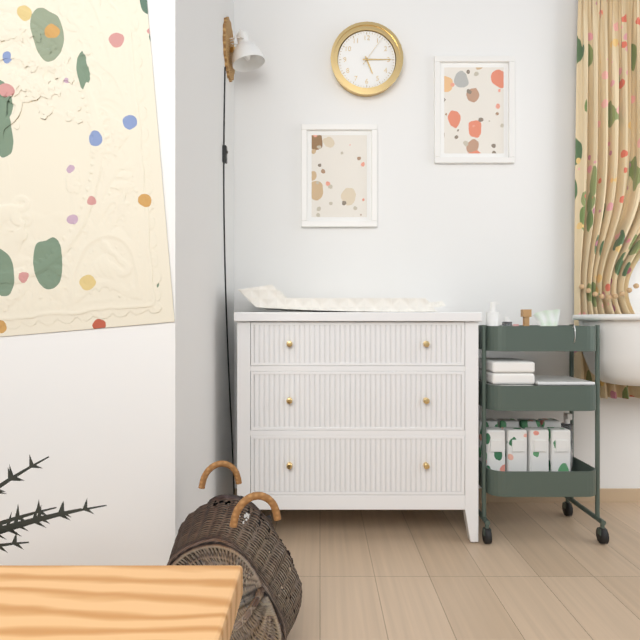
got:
5:15
